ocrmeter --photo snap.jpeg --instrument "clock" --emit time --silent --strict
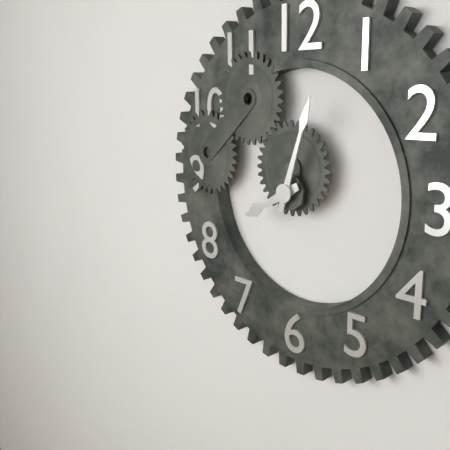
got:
8:03
